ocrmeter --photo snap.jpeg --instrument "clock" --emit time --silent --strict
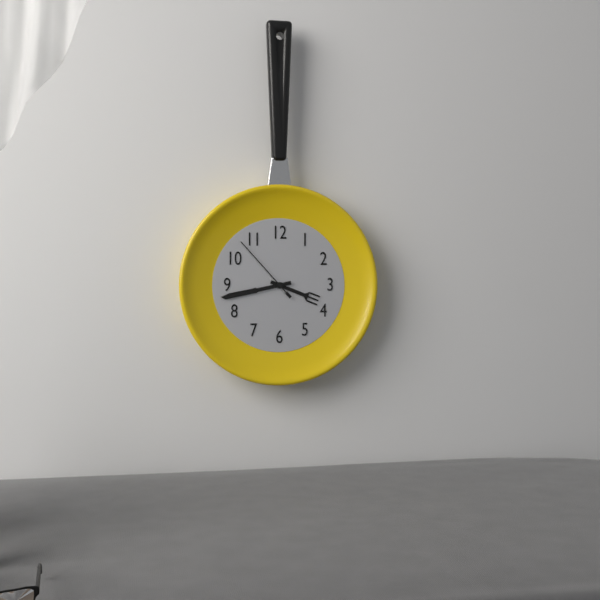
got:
3:43:53
